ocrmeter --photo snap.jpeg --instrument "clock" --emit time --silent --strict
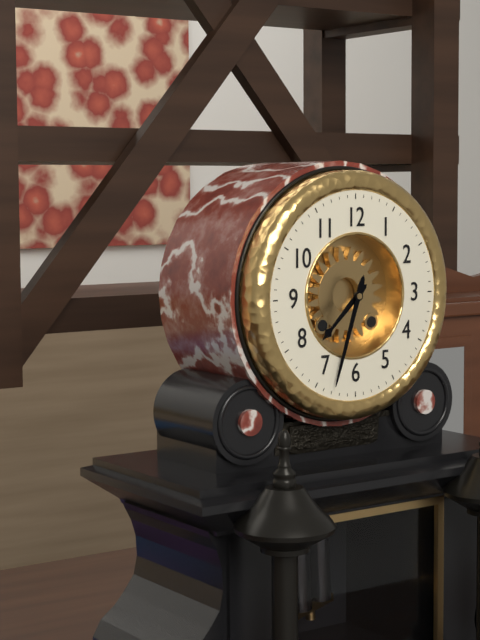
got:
7:33
